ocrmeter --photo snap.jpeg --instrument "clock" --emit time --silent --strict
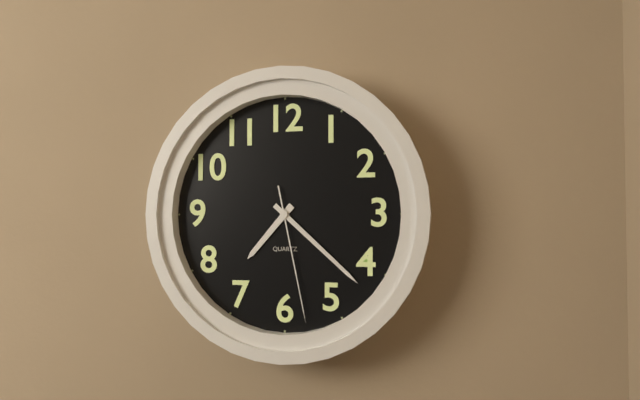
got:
7:22:28
